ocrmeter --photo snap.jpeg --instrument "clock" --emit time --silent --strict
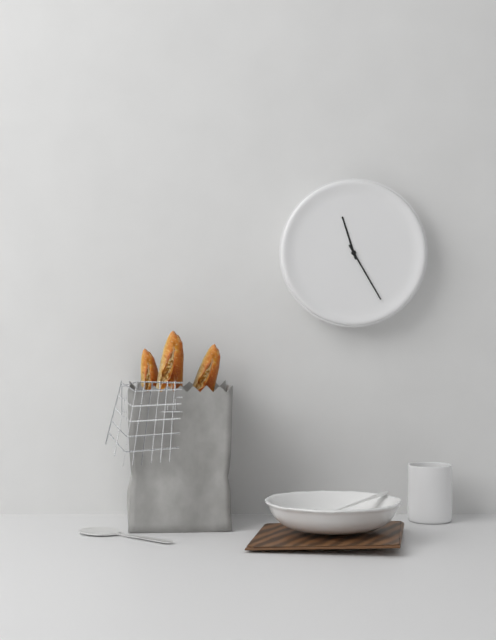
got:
11:25
